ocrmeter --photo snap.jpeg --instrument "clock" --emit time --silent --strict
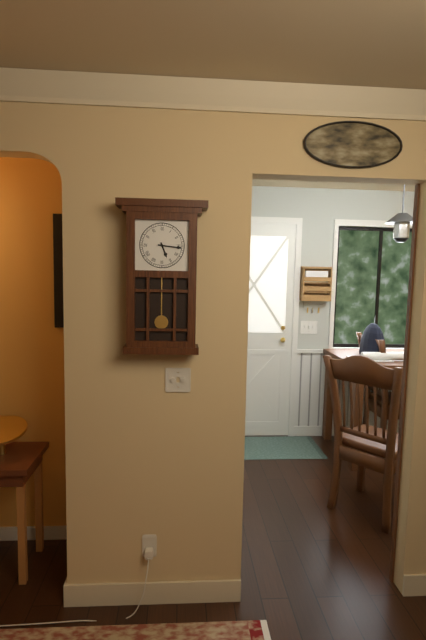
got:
5:16
